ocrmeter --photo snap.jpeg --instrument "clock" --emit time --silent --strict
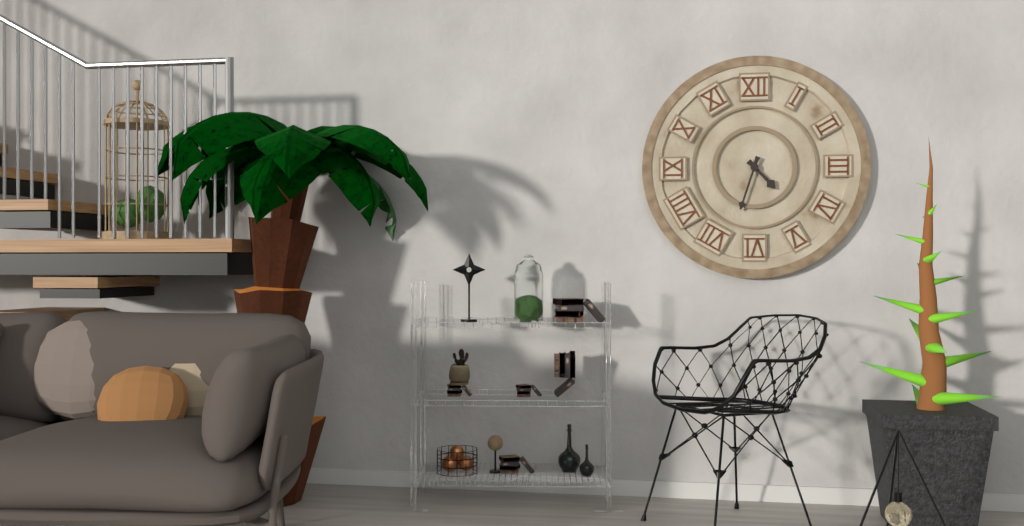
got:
4:33
